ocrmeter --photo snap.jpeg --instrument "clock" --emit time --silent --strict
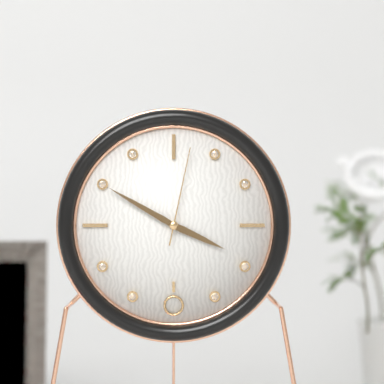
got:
3:50:02
